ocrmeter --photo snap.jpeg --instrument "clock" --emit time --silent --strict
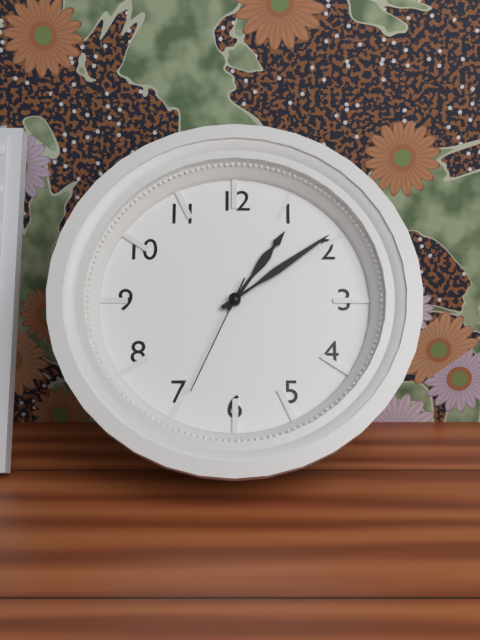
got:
1:09:34
